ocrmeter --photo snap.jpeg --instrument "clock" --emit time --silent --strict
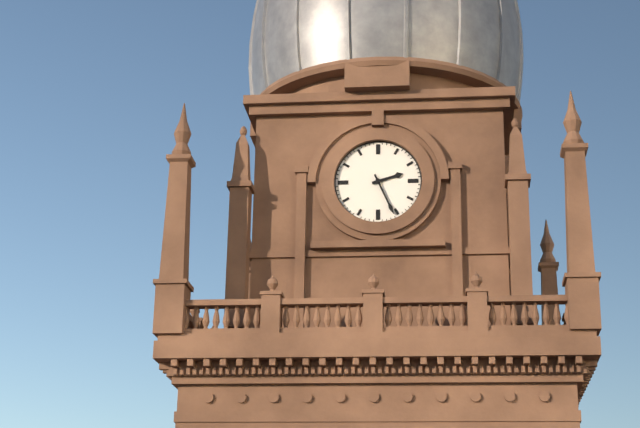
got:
2:26
